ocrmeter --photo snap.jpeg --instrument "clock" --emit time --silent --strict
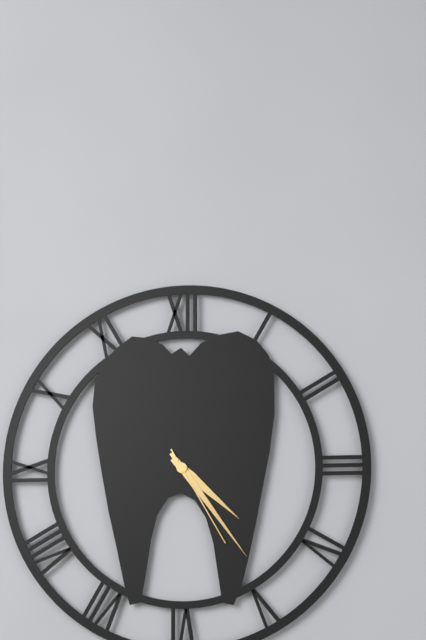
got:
4:24:25
